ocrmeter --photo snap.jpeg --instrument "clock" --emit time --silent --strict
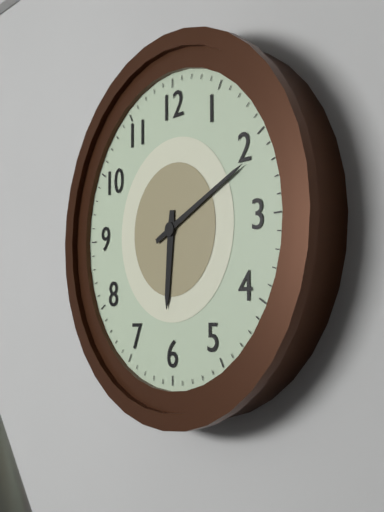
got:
6:11
